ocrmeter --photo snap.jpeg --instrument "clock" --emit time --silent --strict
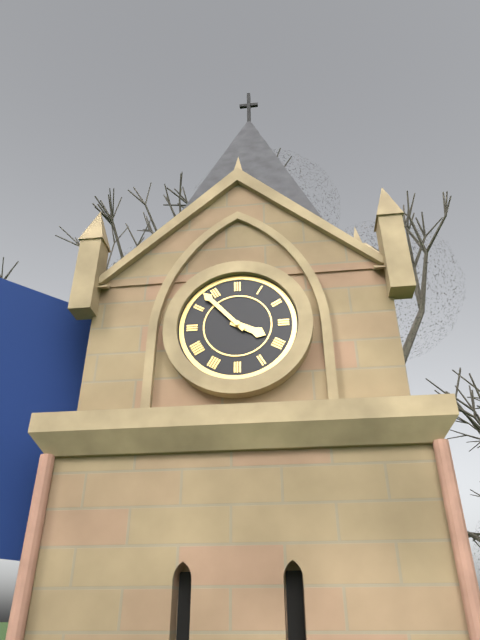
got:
3:53
